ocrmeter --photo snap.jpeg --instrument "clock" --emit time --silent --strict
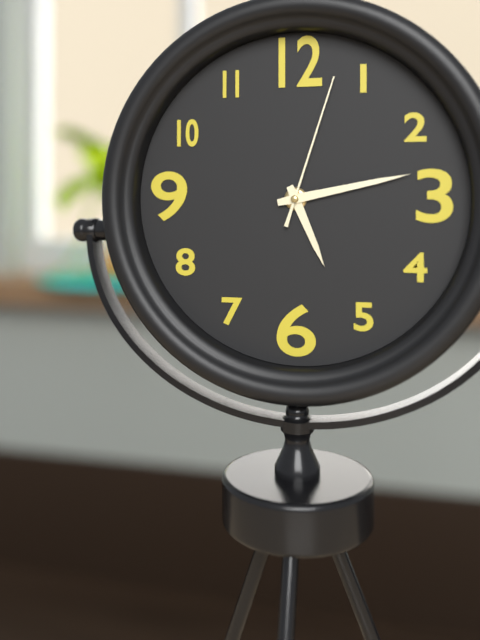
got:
5:13:03
